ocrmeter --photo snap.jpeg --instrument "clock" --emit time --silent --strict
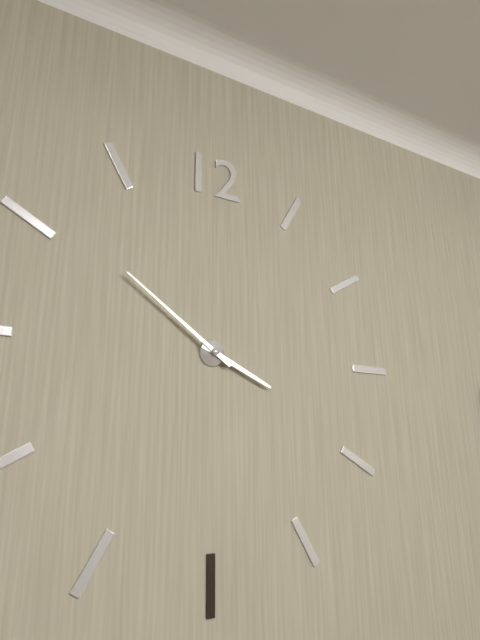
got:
3:51
